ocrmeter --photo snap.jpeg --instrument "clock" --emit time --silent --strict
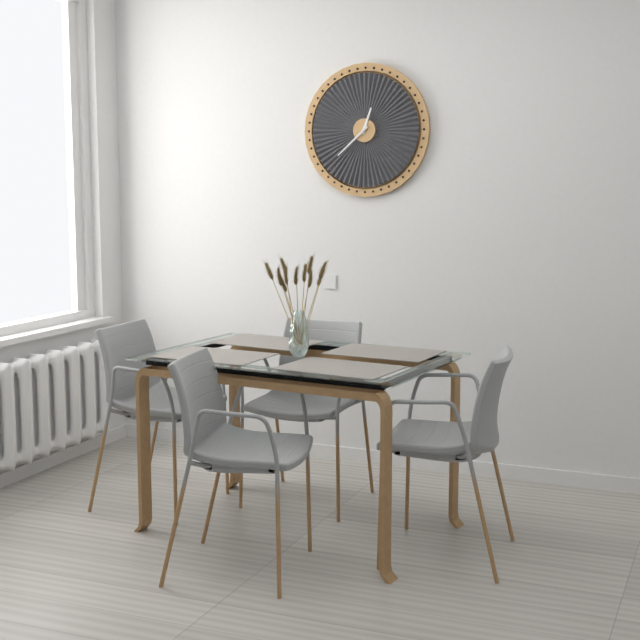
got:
12:38
